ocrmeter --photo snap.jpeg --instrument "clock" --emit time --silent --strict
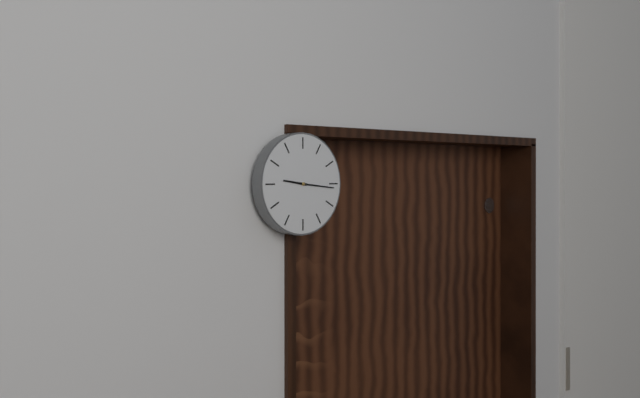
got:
9:16
